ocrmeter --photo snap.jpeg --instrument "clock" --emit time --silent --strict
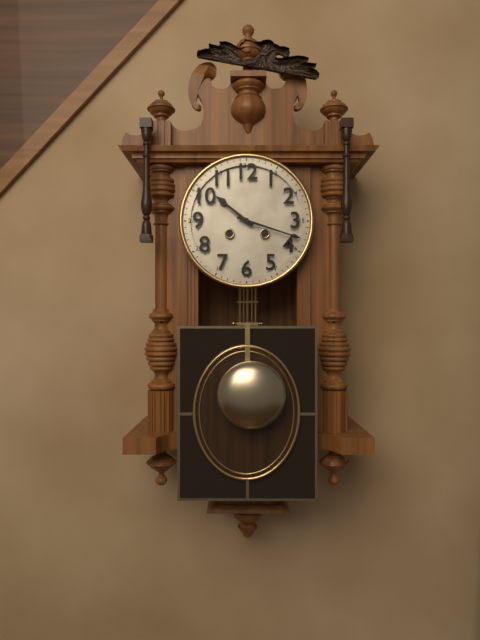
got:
10:18
